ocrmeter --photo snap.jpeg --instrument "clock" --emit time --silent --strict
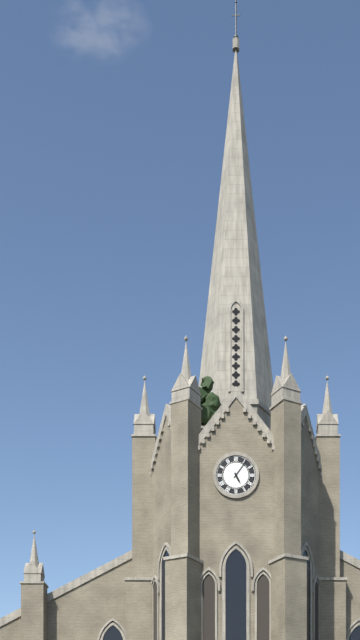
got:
5:06
